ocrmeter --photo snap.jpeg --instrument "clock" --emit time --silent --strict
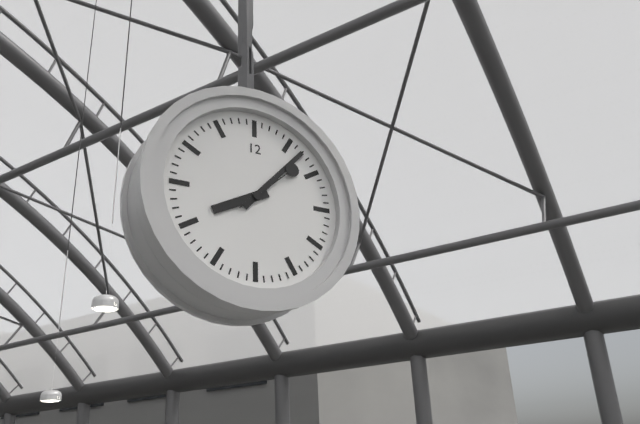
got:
8:07:08
